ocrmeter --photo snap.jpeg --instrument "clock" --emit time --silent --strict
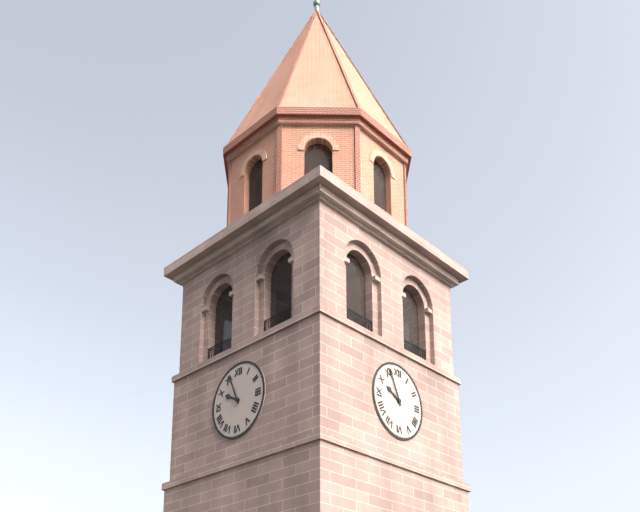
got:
9:56
